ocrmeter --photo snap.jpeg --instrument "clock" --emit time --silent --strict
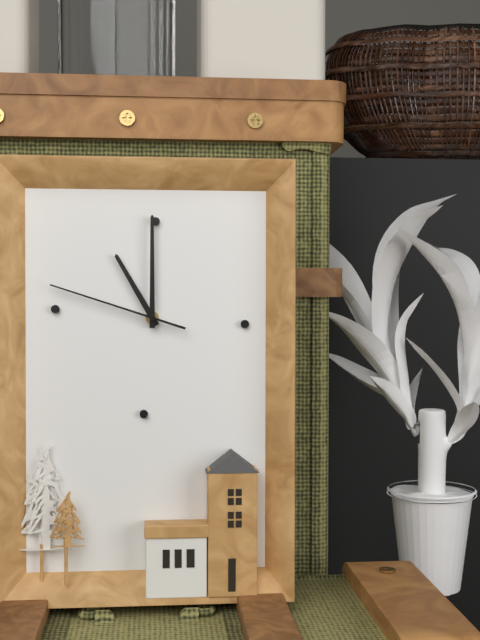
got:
11:00:48
